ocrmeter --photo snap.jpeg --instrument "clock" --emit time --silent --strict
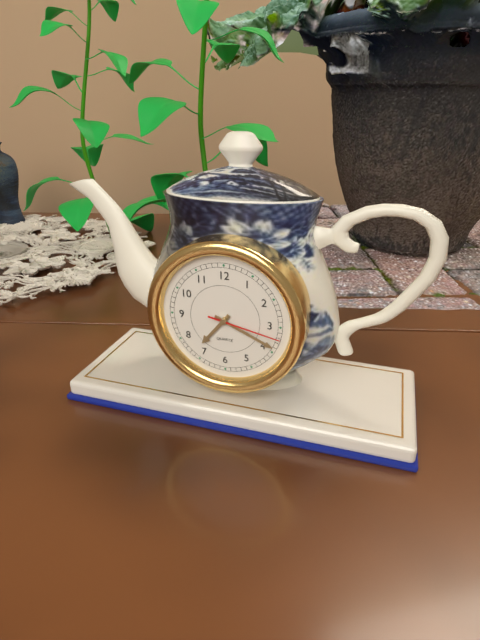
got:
7:19:17
